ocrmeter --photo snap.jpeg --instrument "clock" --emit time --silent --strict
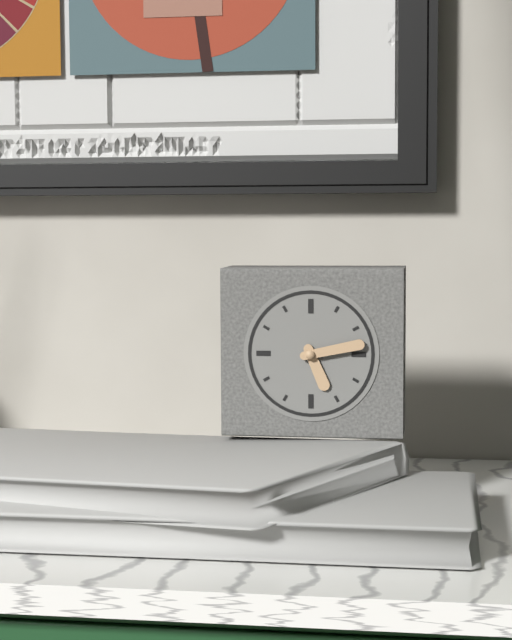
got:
5:13
